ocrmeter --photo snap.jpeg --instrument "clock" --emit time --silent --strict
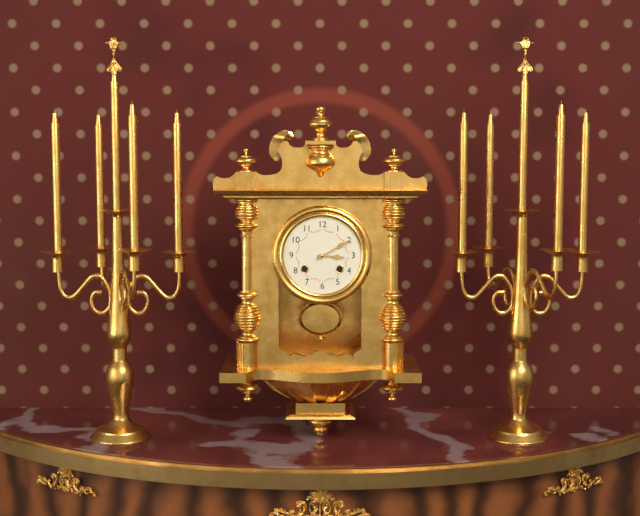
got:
3:10
